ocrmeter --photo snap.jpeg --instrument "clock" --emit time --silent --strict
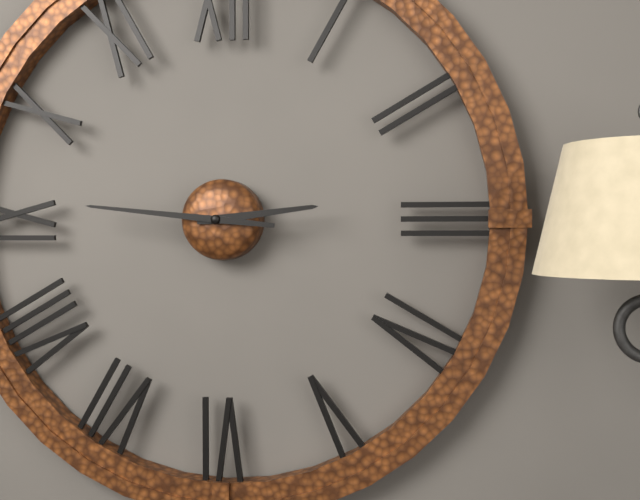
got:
2:46
